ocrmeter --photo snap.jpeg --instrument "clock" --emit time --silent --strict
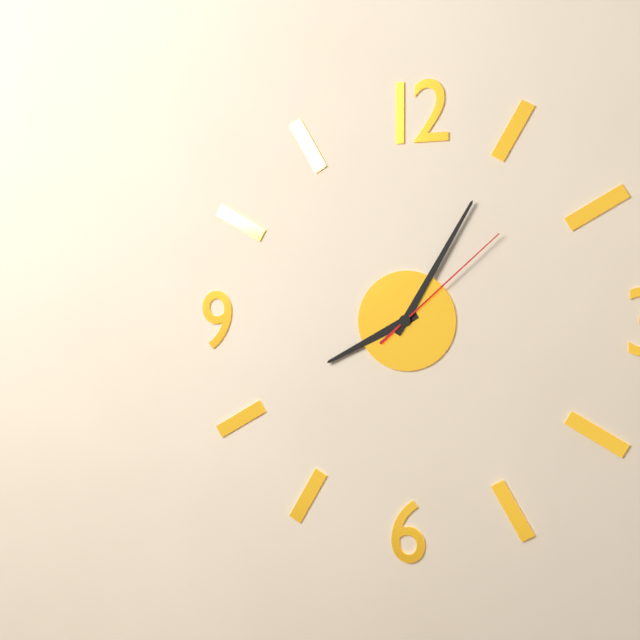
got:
8:05:08
